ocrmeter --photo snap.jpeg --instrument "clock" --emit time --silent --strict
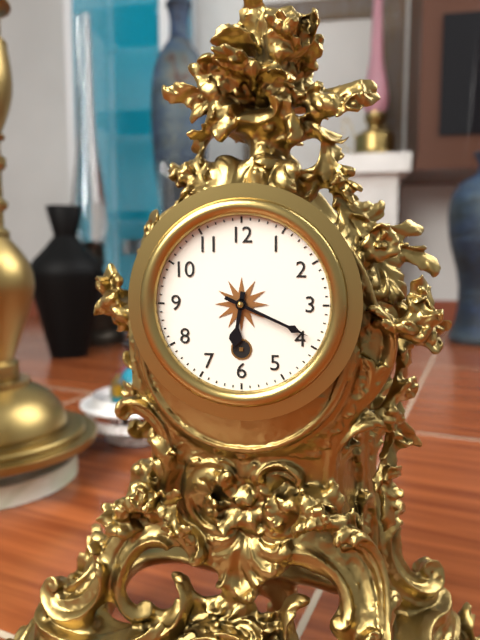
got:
6:19
